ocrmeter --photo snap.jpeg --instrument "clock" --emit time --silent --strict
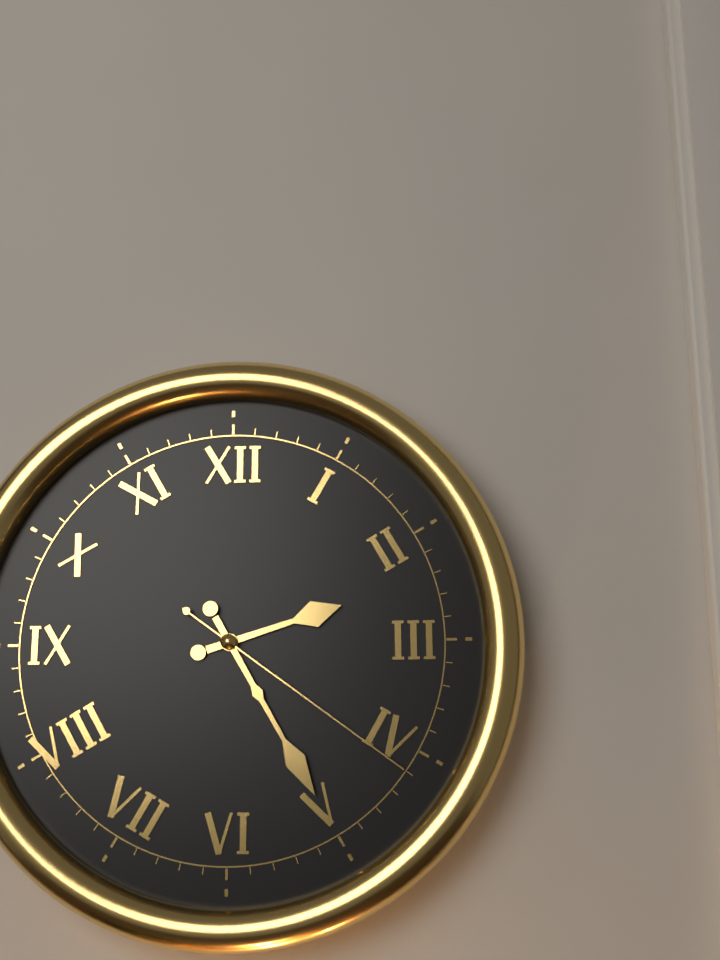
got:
2:25:21
